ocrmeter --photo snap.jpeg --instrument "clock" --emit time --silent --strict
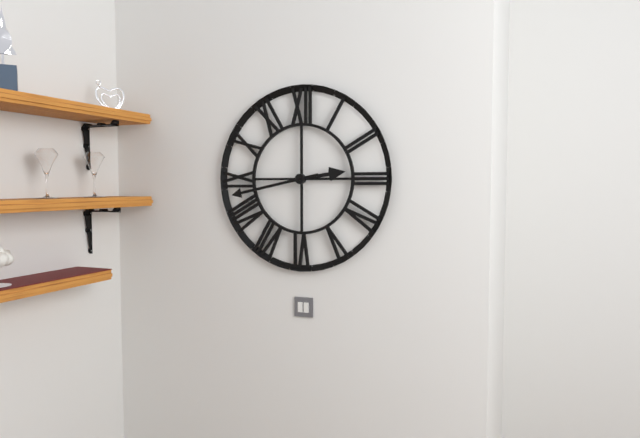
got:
2:43
